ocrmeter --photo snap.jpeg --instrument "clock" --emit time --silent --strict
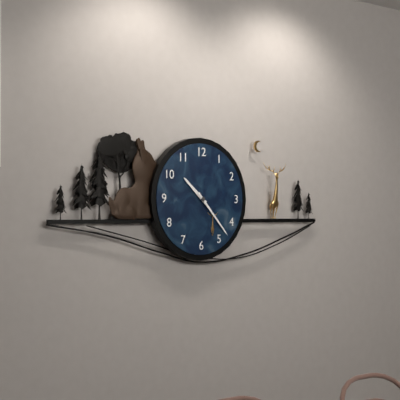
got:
10:23
